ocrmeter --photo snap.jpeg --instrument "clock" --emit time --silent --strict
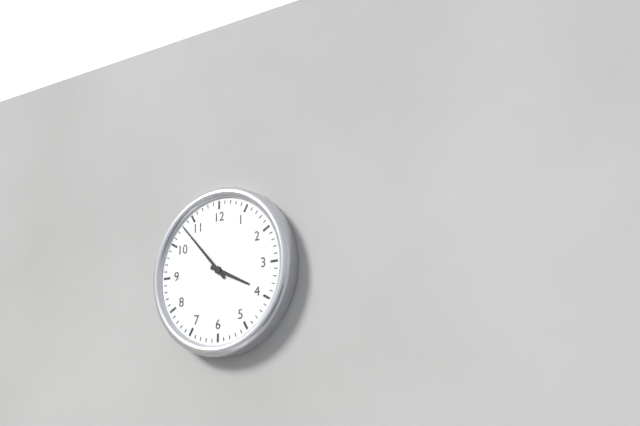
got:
3:53
